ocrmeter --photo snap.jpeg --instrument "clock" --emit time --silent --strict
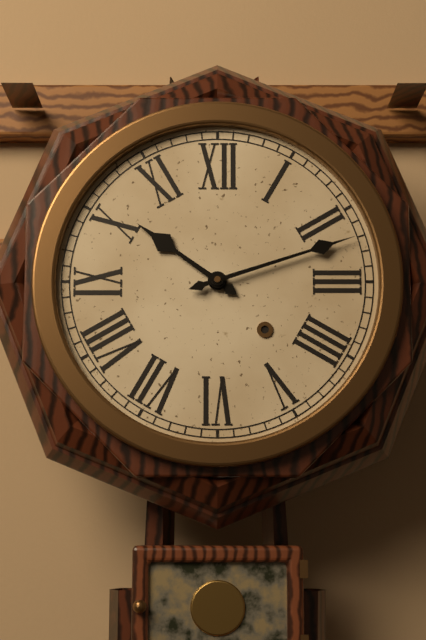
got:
10:12
